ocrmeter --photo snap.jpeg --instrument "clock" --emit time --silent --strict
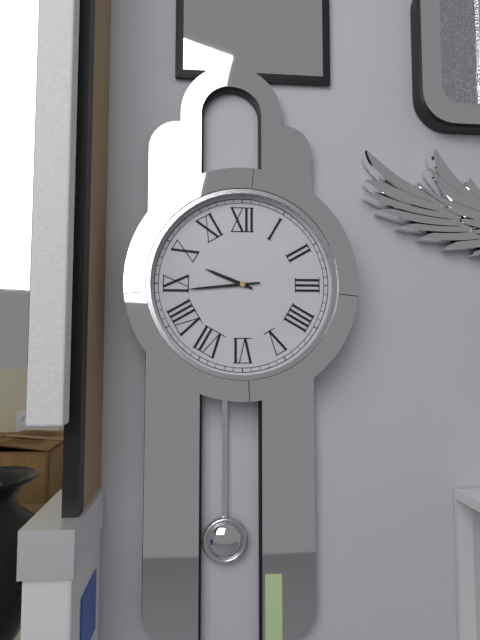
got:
9:44
